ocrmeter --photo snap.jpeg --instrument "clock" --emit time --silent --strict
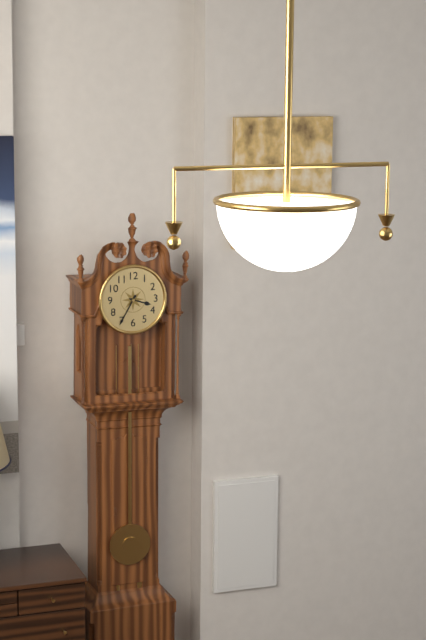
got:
3:35
